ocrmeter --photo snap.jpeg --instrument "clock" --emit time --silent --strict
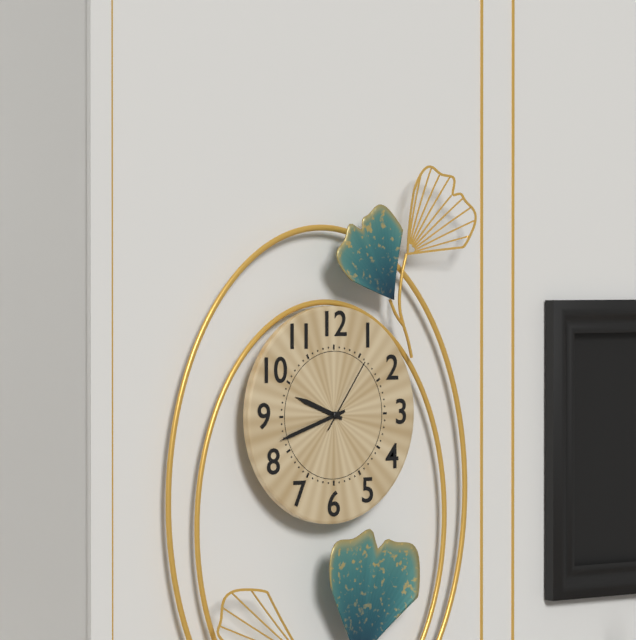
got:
9:42:06
